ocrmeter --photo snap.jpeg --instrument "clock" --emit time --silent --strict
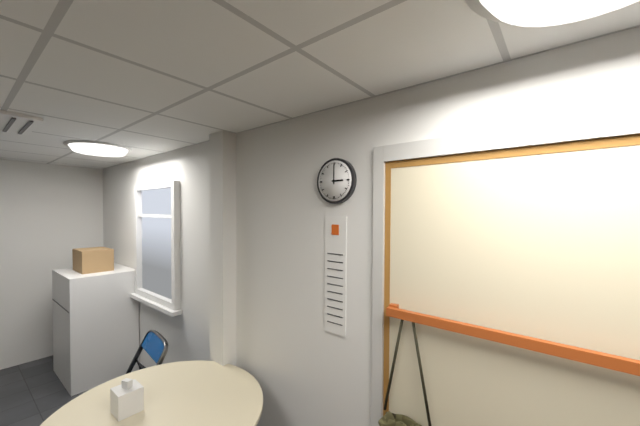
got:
3:00
